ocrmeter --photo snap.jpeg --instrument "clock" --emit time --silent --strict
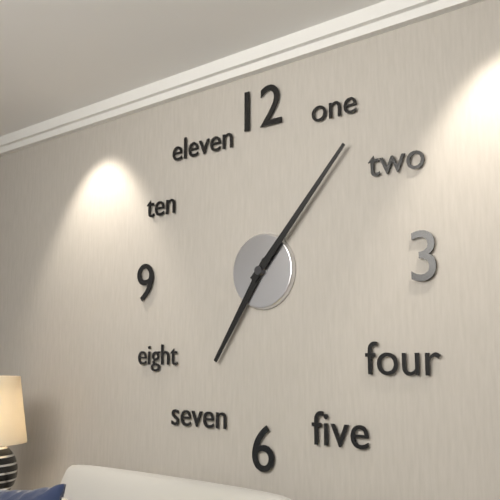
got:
7:07
